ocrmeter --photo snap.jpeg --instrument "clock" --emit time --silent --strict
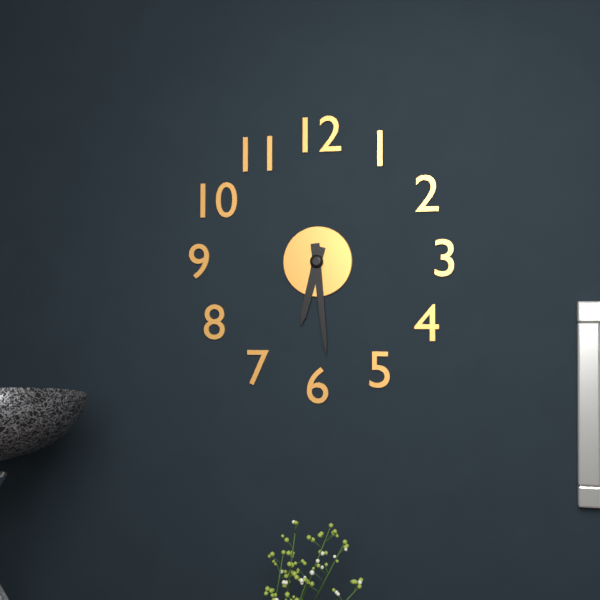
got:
6:29
